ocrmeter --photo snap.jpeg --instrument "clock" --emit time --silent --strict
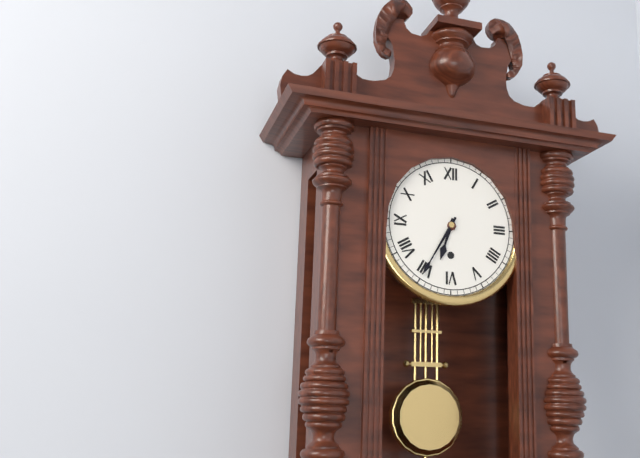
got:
6:35
